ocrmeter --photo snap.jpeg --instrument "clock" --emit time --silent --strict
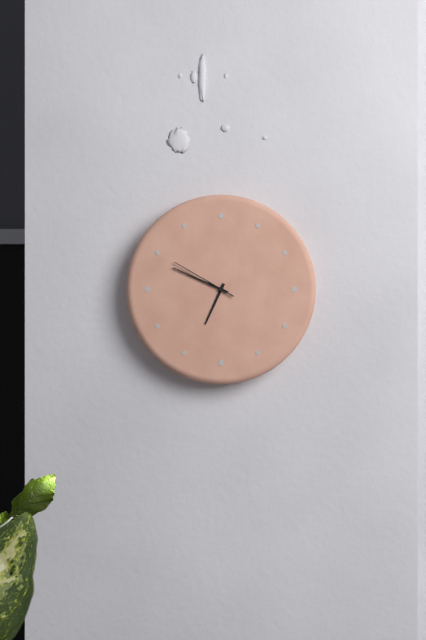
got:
6:49:50
